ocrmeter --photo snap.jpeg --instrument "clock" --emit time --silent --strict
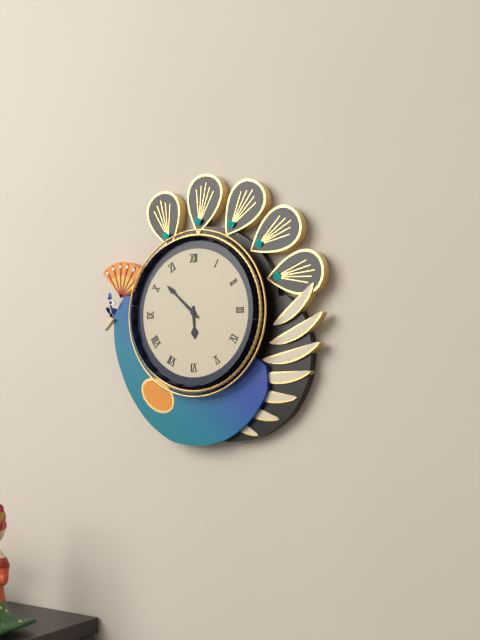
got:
5:52
